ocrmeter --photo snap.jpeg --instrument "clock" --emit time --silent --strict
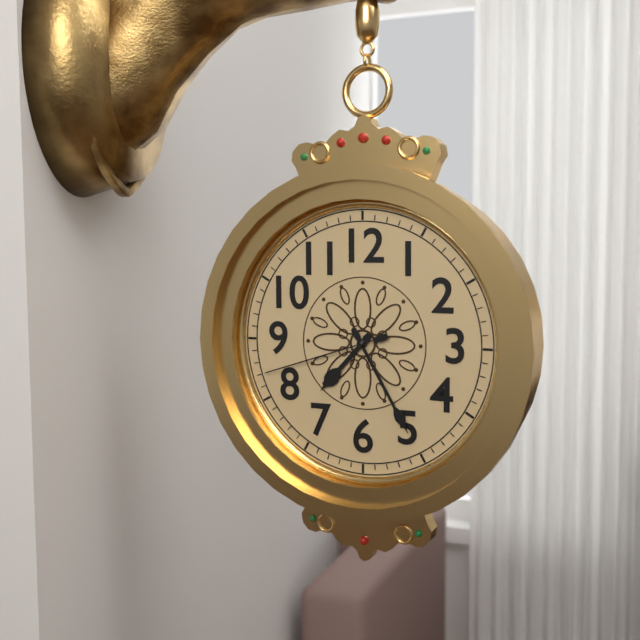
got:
7:25:42
